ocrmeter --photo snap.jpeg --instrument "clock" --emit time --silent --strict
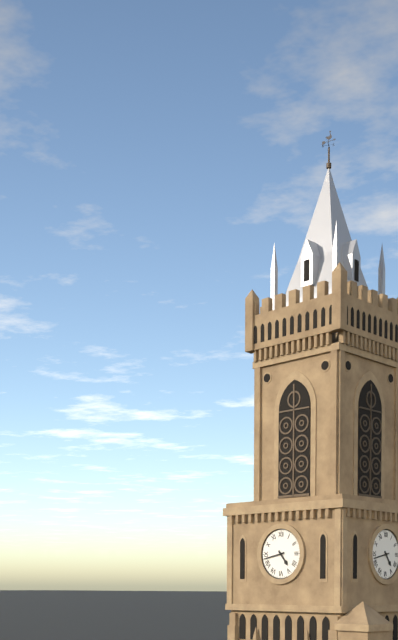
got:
4:43
